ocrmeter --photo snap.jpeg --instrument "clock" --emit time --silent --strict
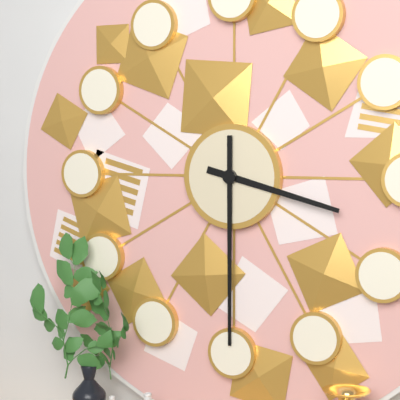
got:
3:30
